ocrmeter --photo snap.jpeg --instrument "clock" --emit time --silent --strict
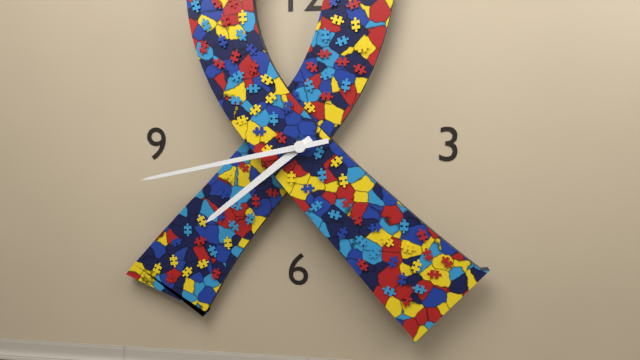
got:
7:43
